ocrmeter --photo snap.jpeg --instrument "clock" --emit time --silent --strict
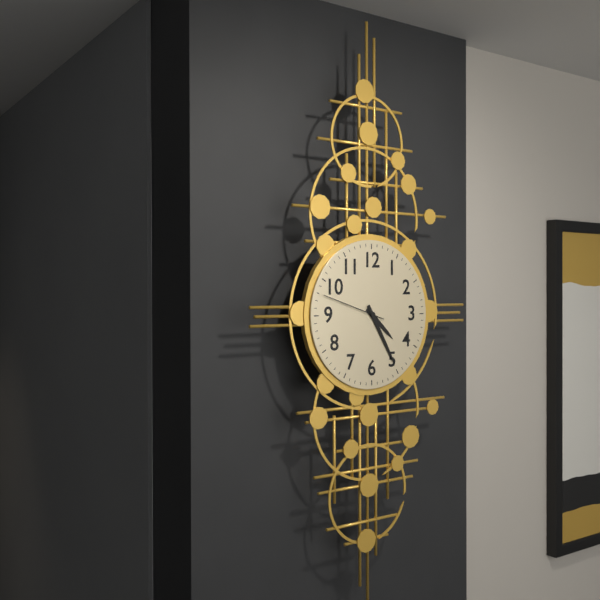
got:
4:25:48
